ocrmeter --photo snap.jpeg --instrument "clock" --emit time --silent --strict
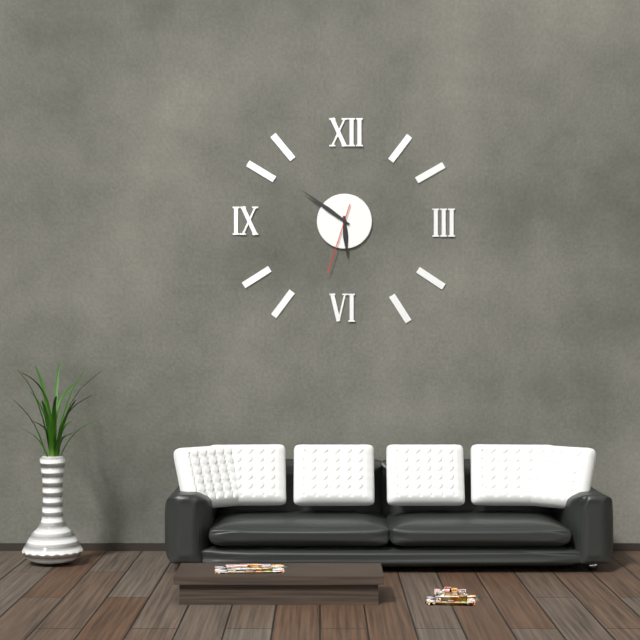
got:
5:51:33
